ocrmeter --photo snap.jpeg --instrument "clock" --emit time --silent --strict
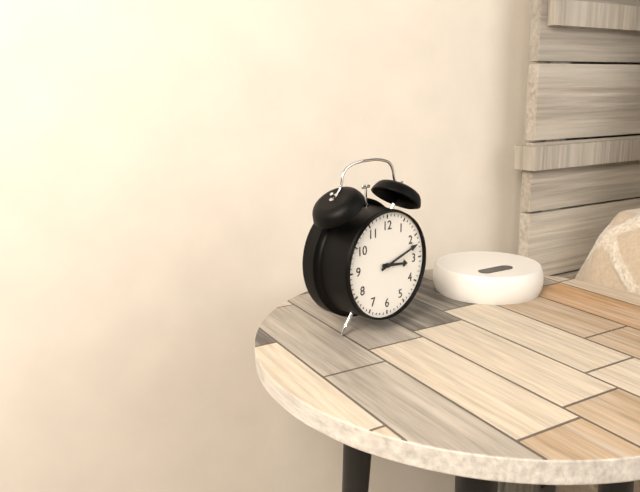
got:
3:12
